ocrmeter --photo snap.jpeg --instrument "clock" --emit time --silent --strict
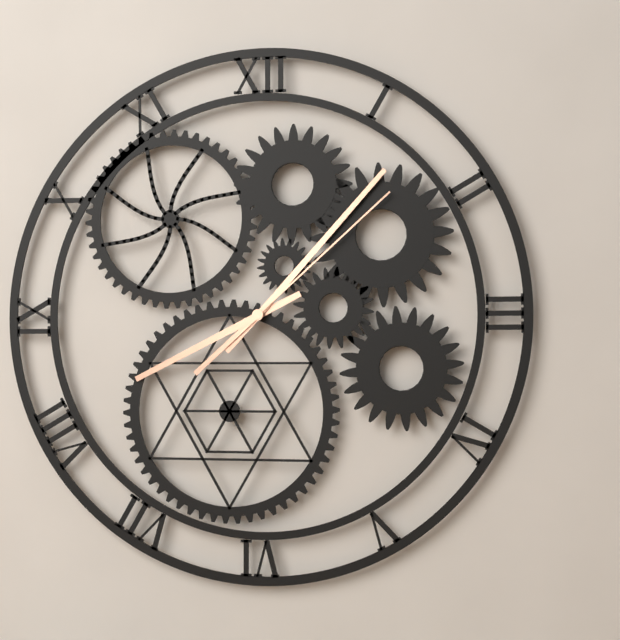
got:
8:07:08
